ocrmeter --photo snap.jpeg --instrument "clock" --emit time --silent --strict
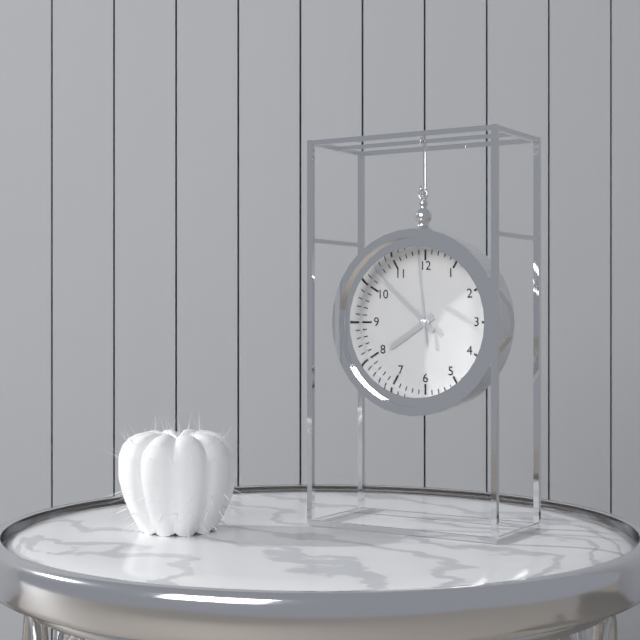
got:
7:52:59
